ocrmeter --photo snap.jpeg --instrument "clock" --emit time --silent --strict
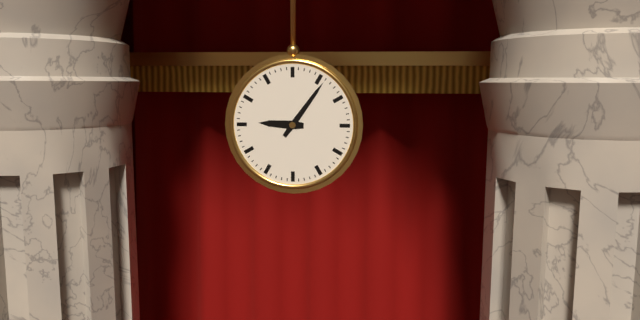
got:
9:06
